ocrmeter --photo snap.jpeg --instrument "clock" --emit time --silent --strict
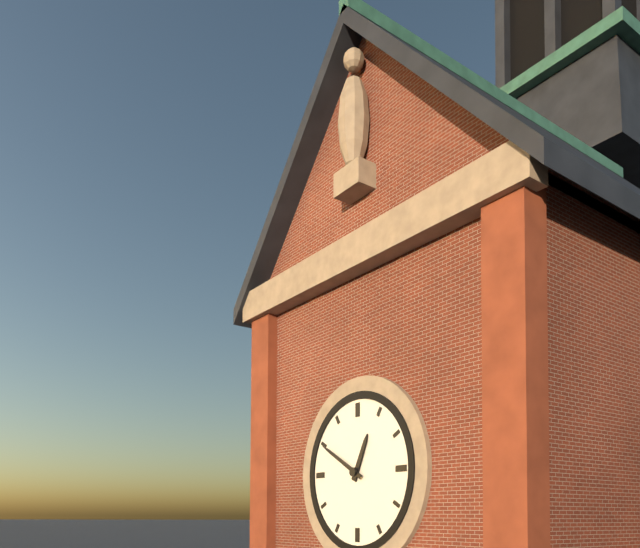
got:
12:50
